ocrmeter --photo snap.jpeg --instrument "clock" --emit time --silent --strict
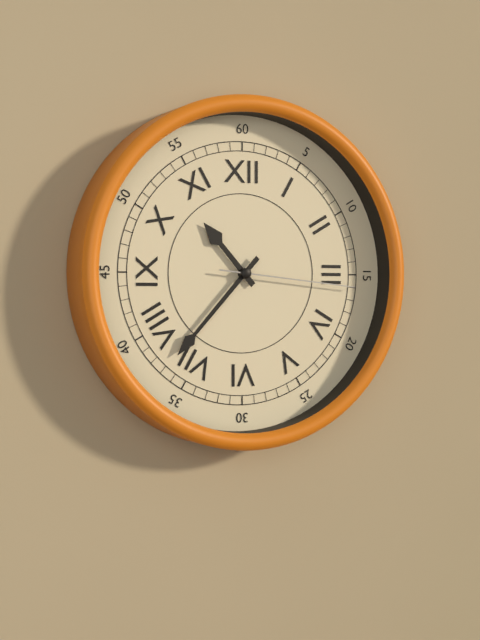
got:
10:37:16
